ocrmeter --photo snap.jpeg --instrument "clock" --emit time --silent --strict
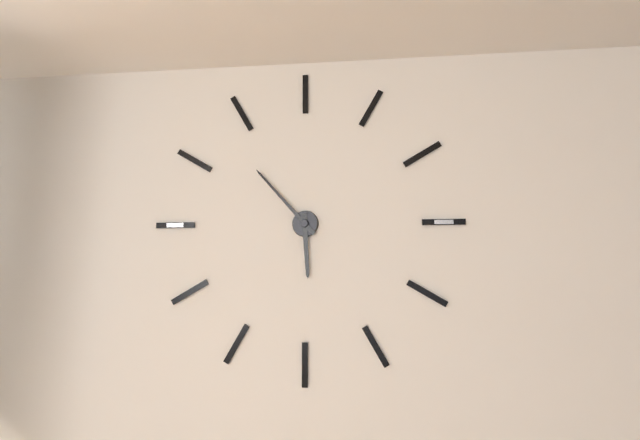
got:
5:53
